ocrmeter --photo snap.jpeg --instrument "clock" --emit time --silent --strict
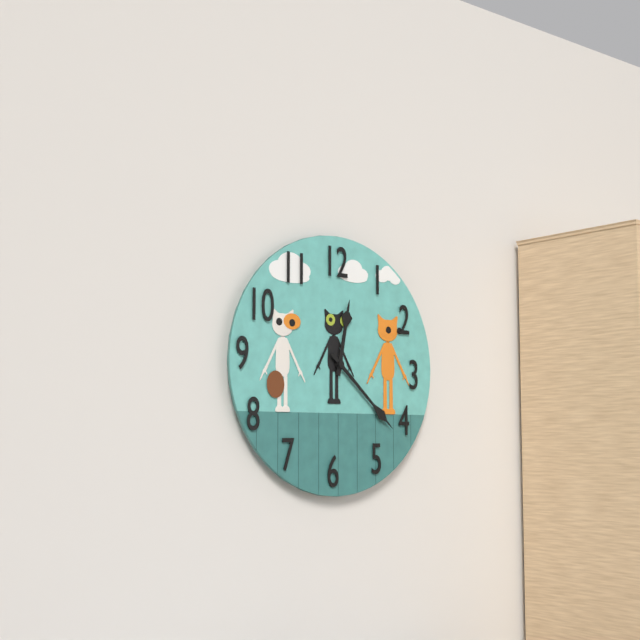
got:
12:22
